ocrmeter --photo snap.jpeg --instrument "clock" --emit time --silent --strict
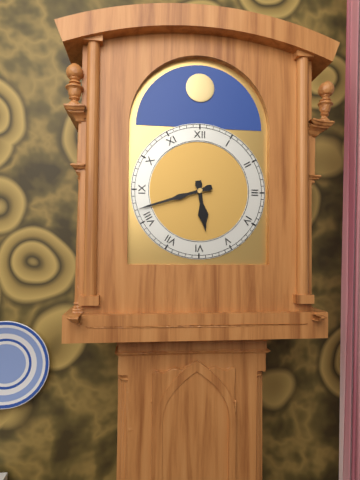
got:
5:42
